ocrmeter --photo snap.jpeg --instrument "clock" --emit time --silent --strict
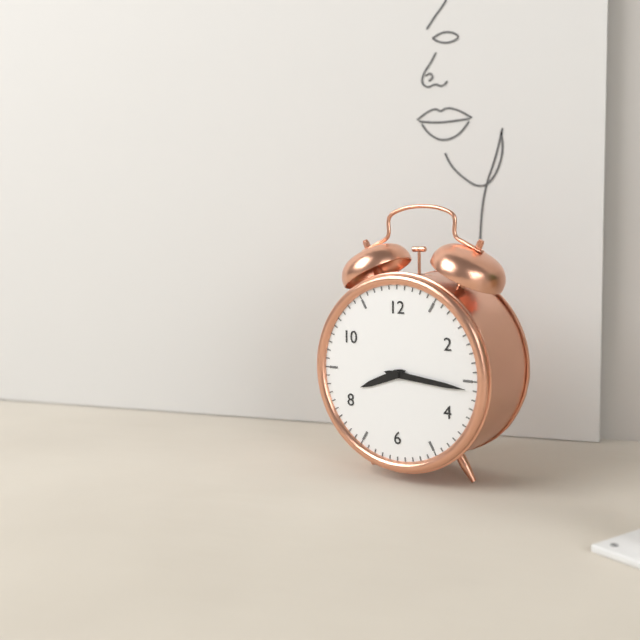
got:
8:16
